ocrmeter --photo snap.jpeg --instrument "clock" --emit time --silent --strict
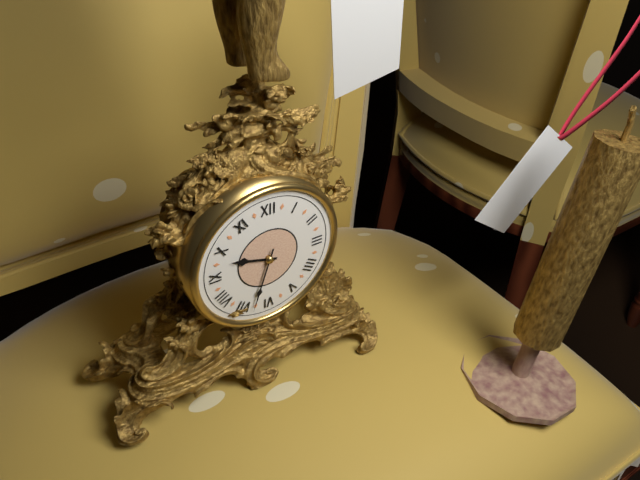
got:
9:33
